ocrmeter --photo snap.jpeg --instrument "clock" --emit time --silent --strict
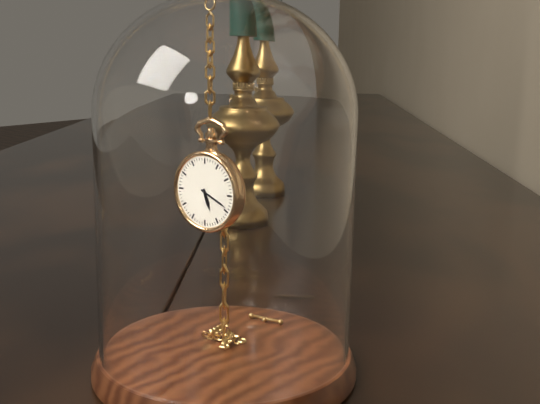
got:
5:19
